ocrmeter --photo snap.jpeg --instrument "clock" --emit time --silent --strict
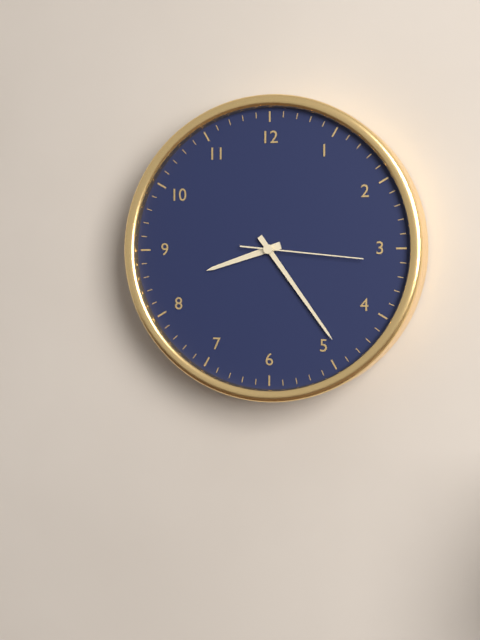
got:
8:24:16
